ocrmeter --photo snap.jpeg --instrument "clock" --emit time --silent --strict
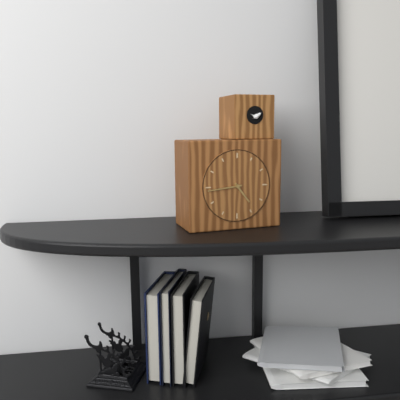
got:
4:44
